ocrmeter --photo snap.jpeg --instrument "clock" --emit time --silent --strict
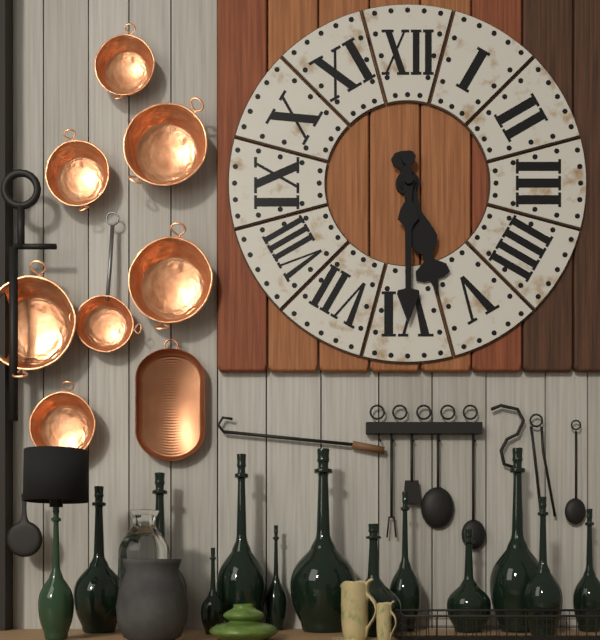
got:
5:30
